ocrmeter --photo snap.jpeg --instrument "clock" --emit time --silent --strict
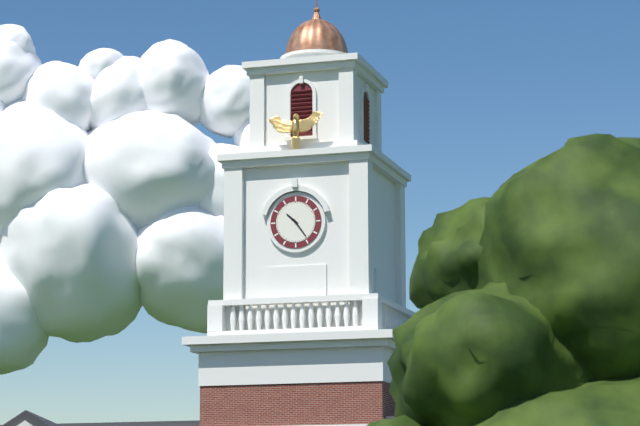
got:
10:24
